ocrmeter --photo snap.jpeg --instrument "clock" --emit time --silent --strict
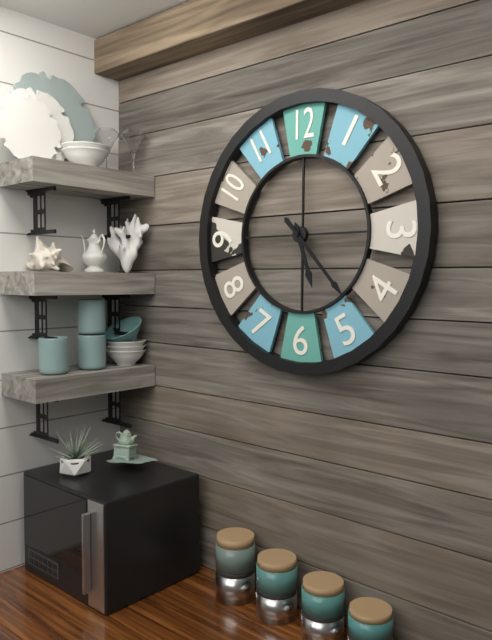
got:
5:23
